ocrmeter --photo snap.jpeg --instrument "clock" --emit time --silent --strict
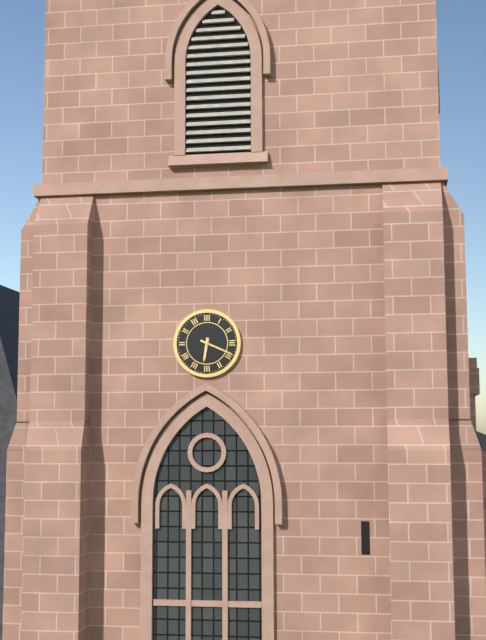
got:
6:19
